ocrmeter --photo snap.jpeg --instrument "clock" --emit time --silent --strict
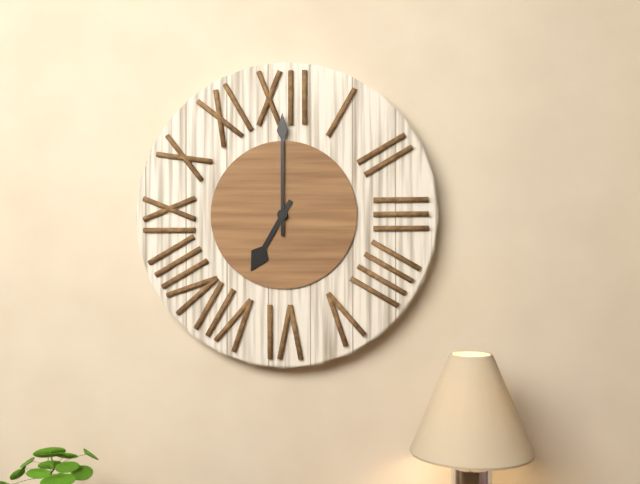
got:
7:00
